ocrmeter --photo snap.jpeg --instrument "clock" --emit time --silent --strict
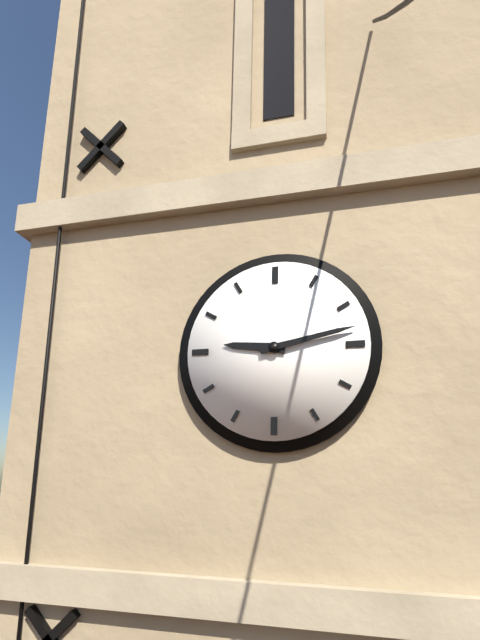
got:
9:13
